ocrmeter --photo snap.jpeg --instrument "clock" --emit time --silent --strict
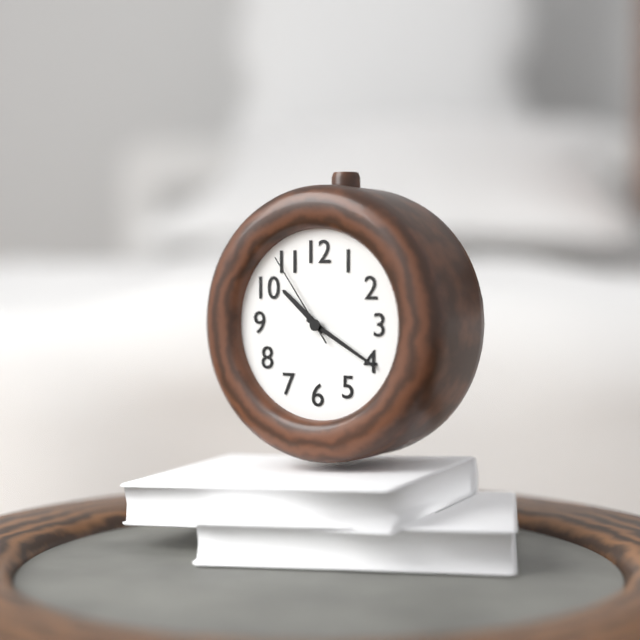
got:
10:20:54
